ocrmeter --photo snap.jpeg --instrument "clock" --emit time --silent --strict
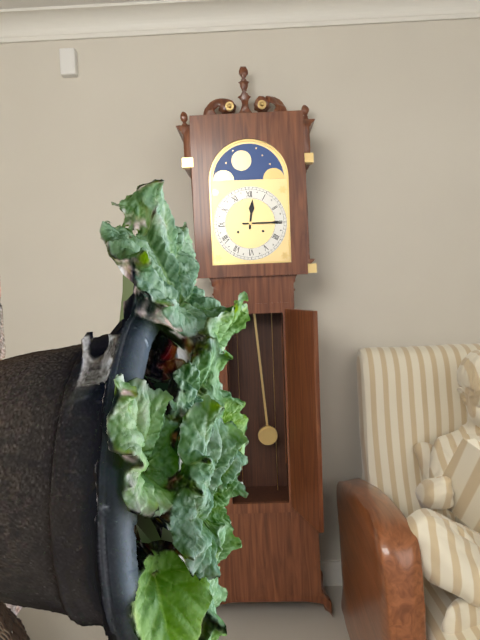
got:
12:15
